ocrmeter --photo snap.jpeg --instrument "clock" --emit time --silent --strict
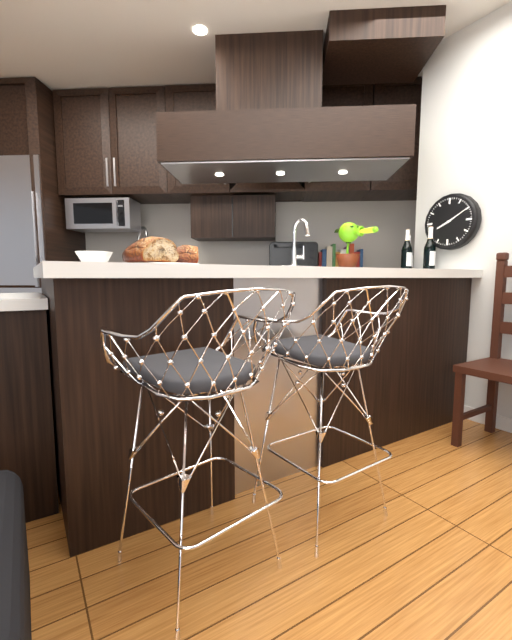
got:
8:10
